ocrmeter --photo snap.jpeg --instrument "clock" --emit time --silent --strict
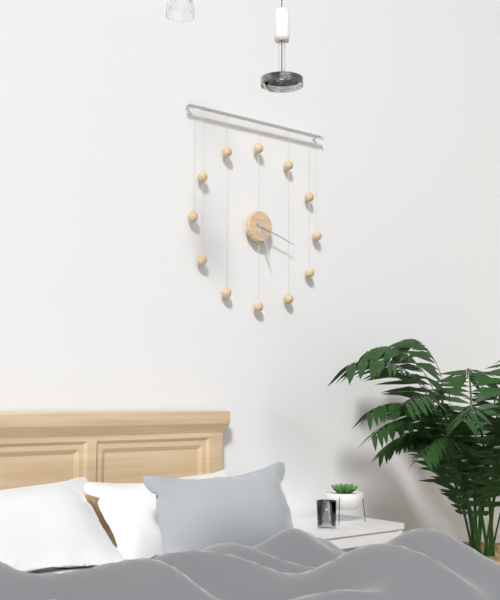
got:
5:18
